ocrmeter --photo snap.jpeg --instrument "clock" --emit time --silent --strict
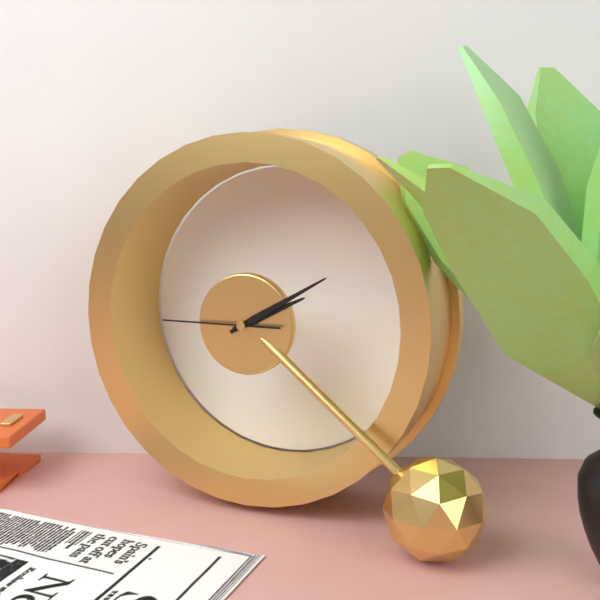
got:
2:10:45
